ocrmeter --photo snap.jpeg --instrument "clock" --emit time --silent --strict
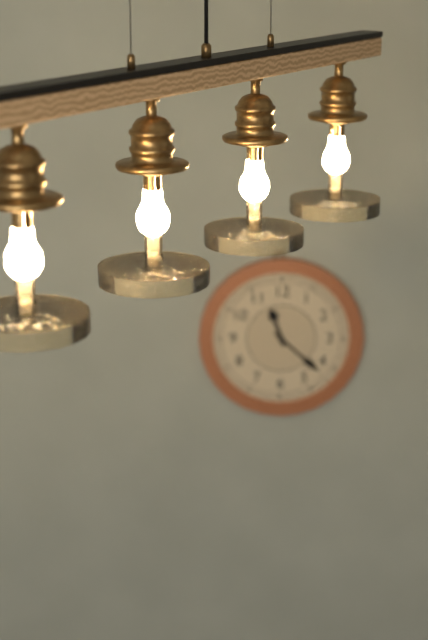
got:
11:22
